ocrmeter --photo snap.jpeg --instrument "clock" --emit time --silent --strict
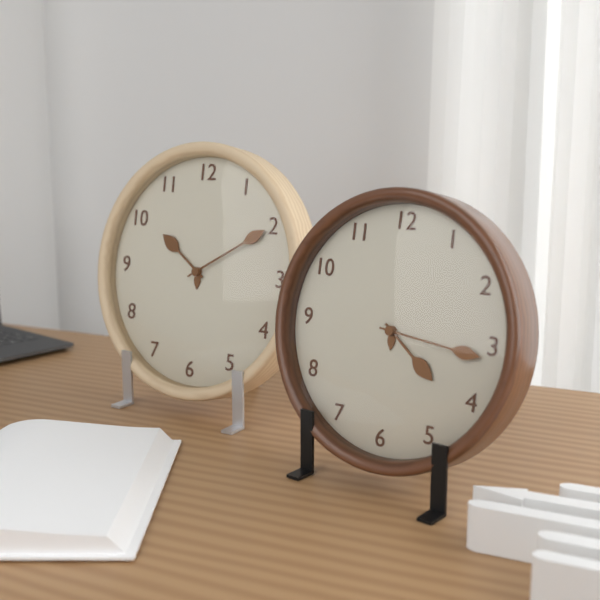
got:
4:16
